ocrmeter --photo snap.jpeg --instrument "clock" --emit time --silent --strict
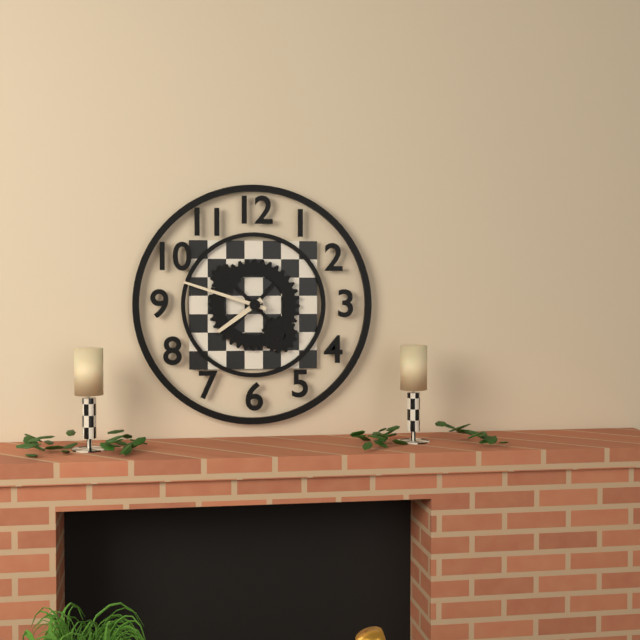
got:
7:48
